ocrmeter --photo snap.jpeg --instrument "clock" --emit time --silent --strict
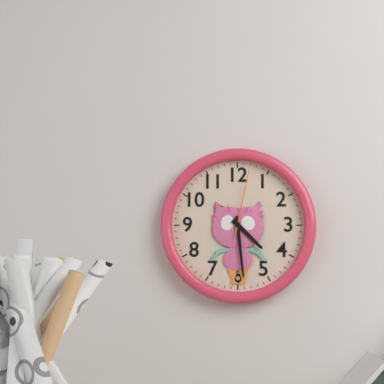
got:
4:29:02
